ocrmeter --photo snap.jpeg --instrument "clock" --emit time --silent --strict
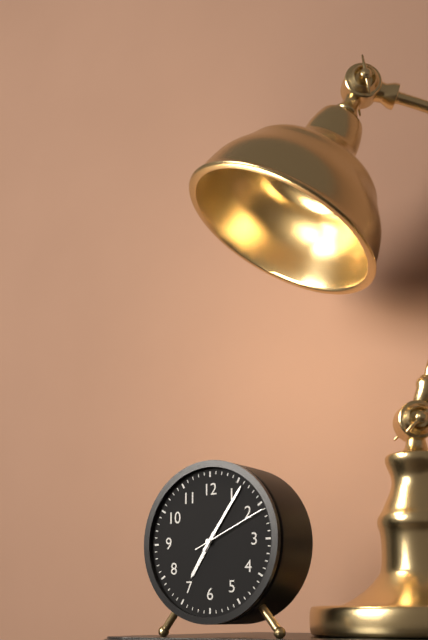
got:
7:06:11
